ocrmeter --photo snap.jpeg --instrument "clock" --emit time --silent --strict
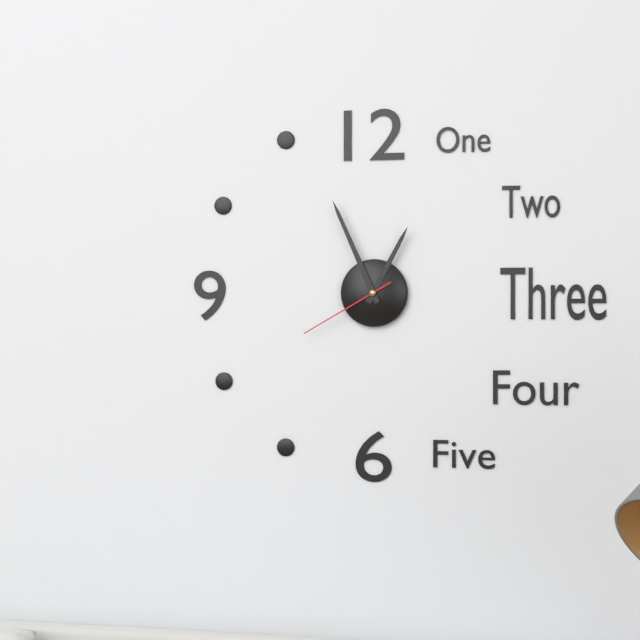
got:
12:56:40
